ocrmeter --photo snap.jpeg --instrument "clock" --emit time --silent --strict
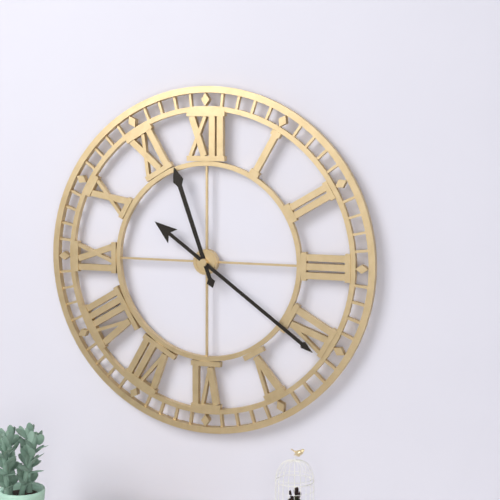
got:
11:21
